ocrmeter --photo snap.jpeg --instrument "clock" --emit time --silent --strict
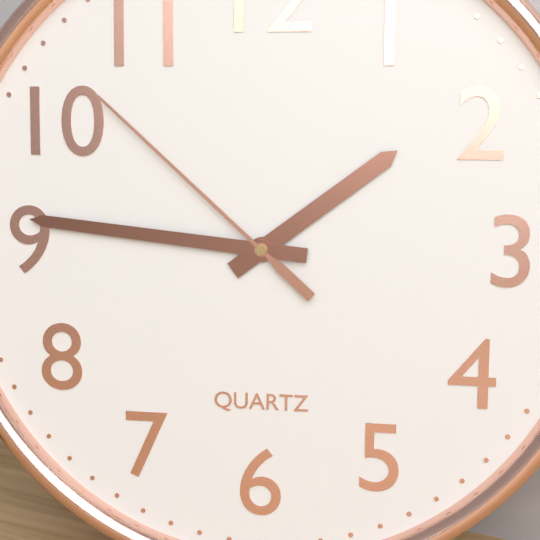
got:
1:46:52
